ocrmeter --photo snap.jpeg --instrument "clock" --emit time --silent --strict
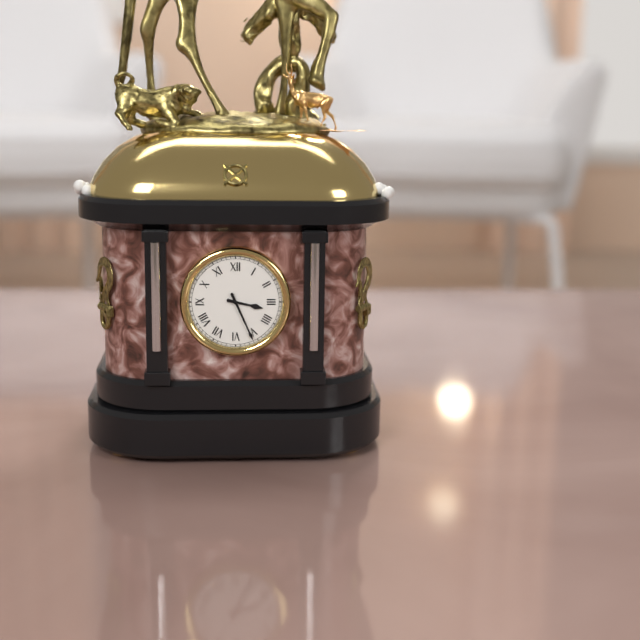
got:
3:26
